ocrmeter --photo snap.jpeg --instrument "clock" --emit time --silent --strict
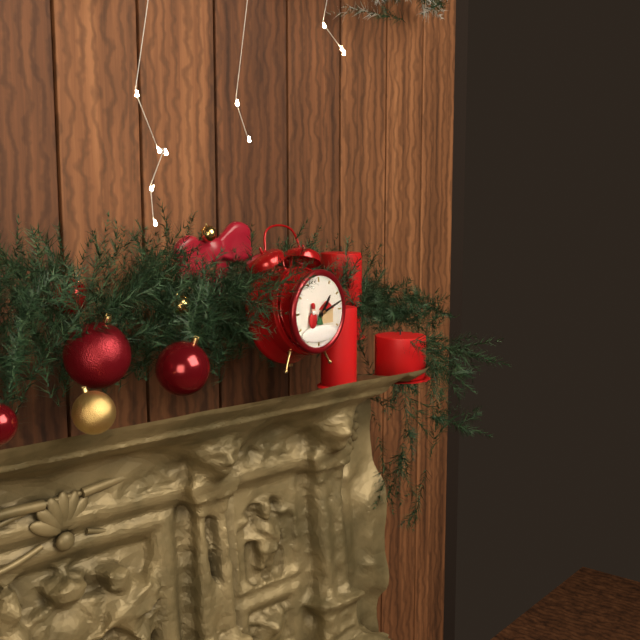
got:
1:12
